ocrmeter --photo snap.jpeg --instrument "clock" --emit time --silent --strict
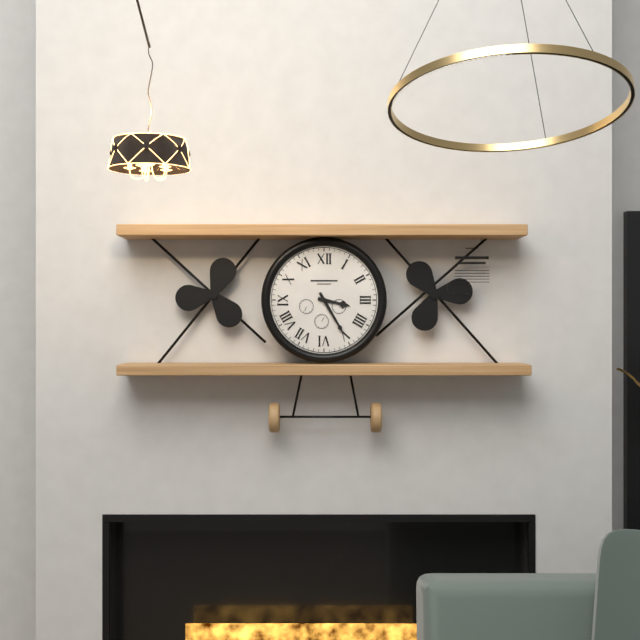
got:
3:25
